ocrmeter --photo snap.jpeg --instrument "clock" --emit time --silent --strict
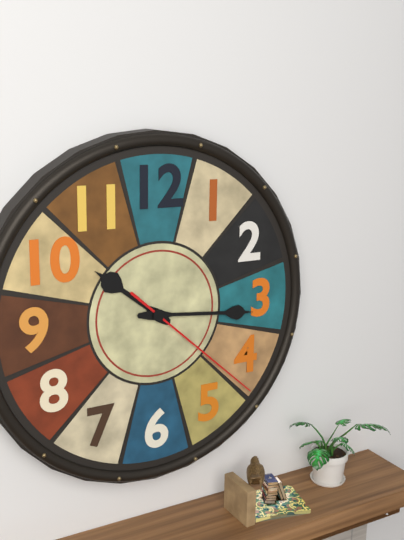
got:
10:16:22
